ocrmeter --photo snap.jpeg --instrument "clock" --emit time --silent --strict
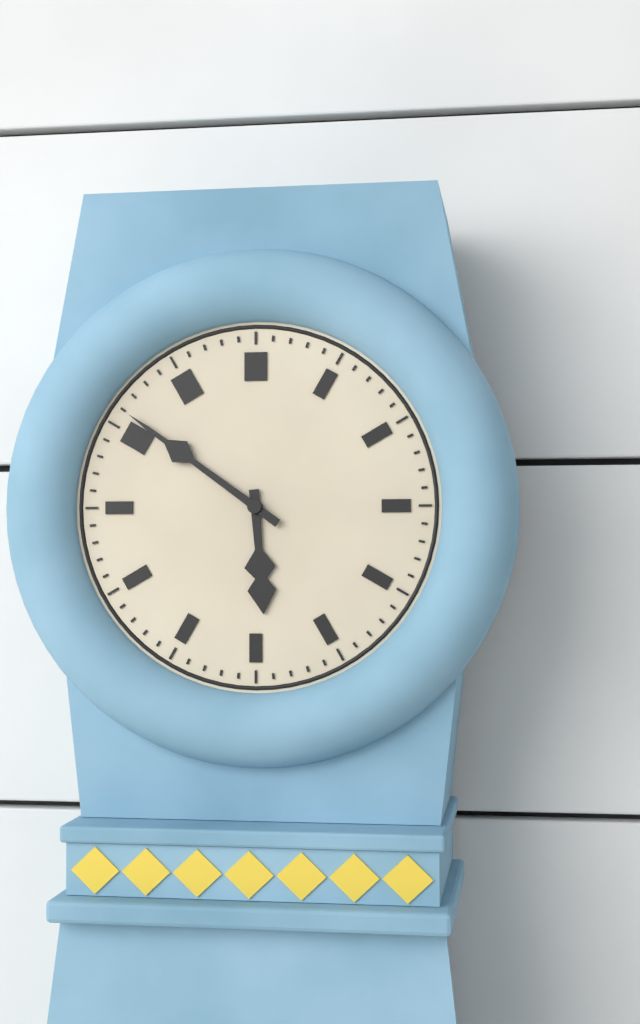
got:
5:51
